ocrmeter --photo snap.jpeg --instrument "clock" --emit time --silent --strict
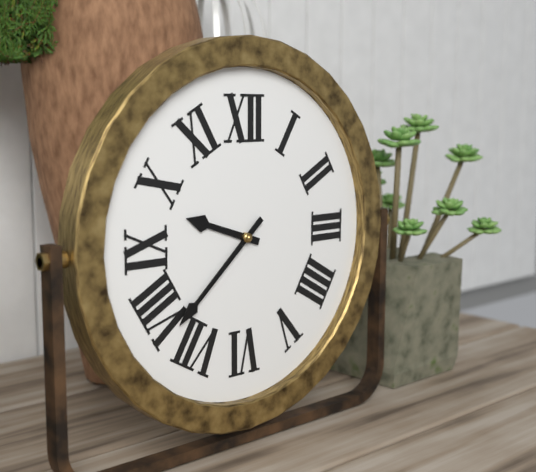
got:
9:38
